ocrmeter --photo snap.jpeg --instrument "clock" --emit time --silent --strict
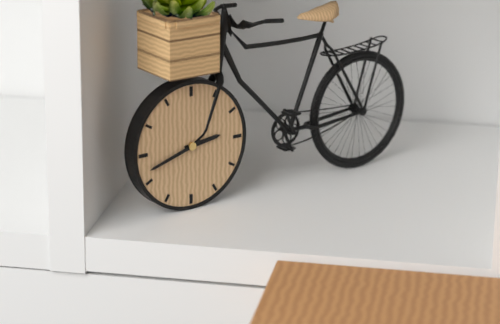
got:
2:42
